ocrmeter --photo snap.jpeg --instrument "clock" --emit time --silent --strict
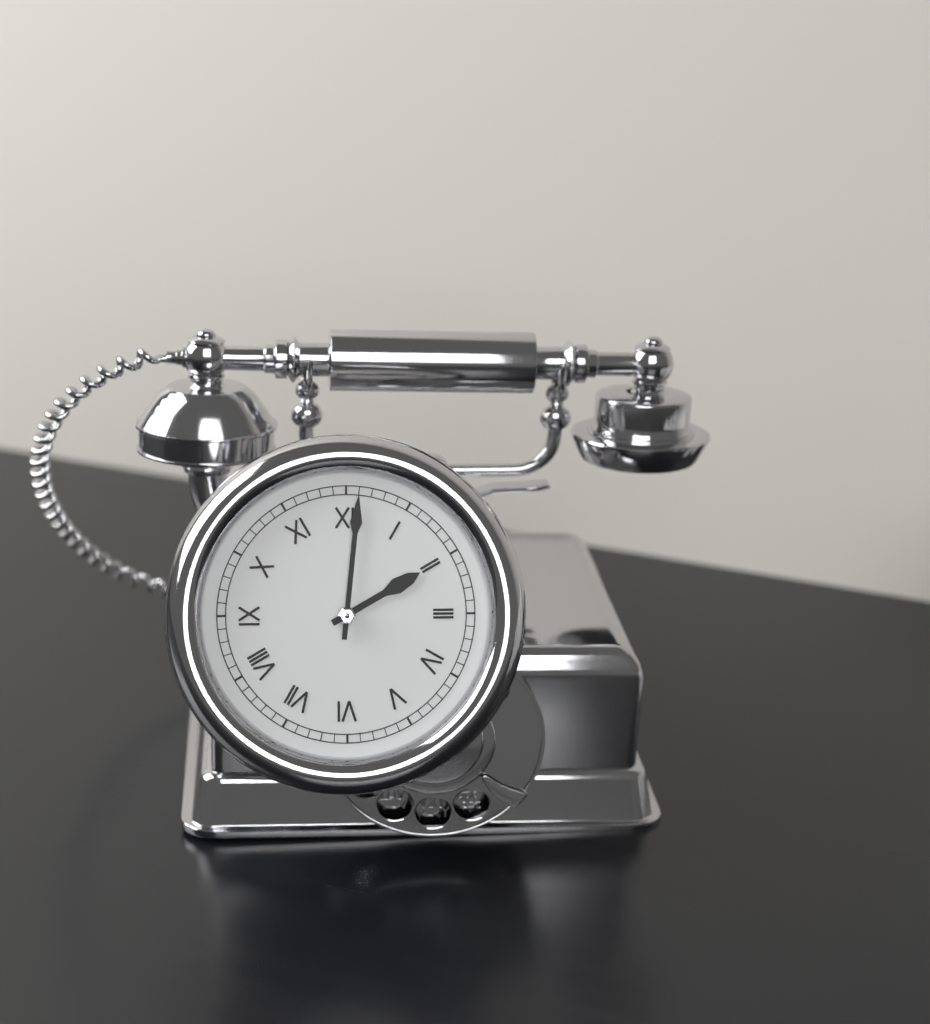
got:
2:01
